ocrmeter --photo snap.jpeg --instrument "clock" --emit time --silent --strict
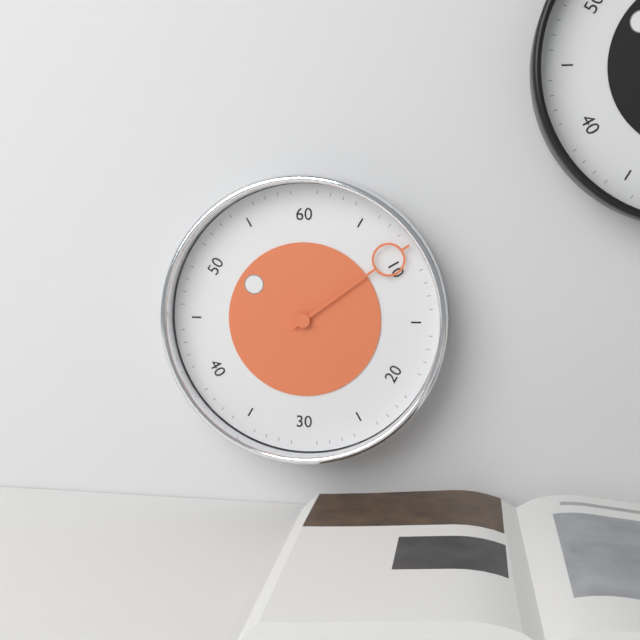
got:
10:09
